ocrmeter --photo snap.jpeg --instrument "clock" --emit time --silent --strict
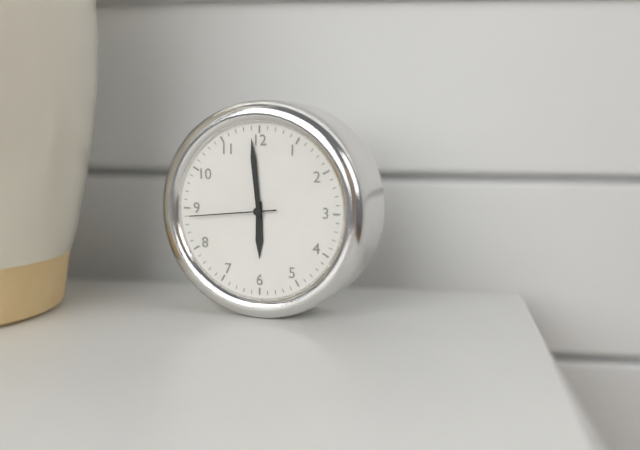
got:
5:59:44
